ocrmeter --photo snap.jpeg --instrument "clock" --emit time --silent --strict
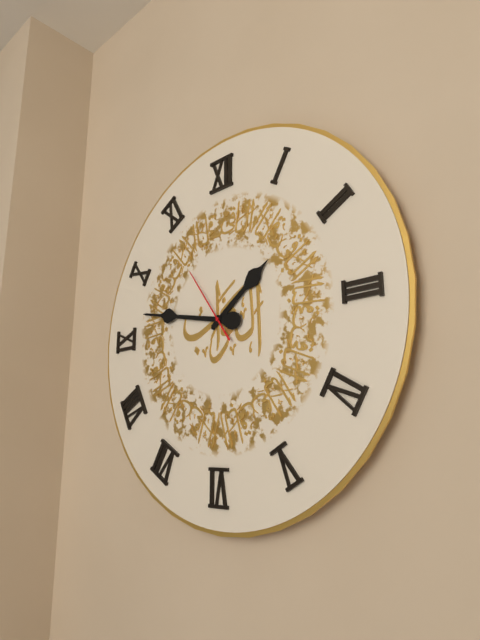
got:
1:47:54
